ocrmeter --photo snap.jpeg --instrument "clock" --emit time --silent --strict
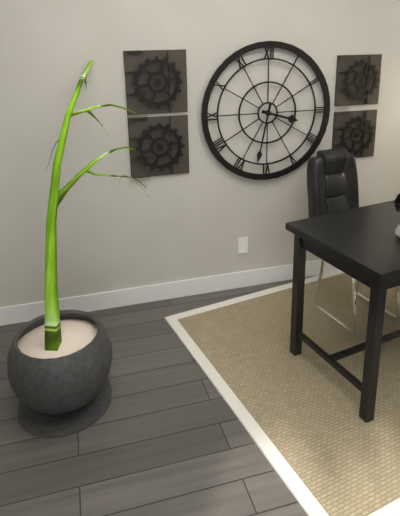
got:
3:32
